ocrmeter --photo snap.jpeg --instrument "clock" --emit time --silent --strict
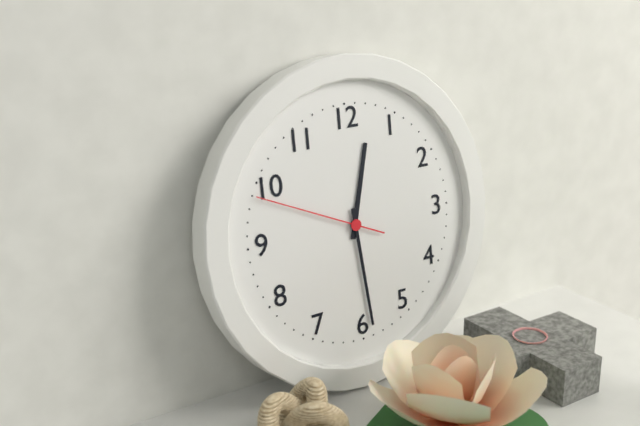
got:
12:29:49
